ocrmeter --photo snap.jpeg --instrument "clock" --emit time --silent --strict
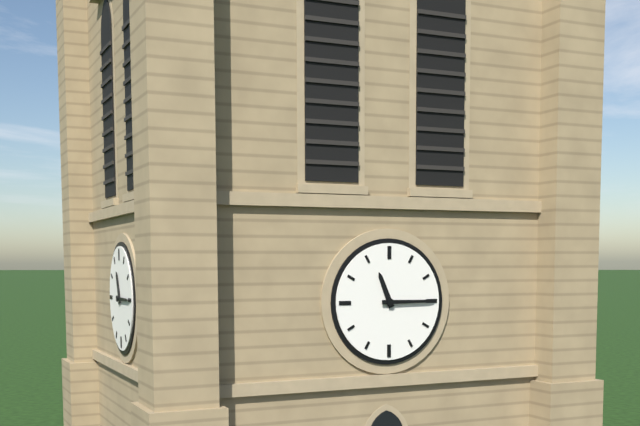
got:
11:15
